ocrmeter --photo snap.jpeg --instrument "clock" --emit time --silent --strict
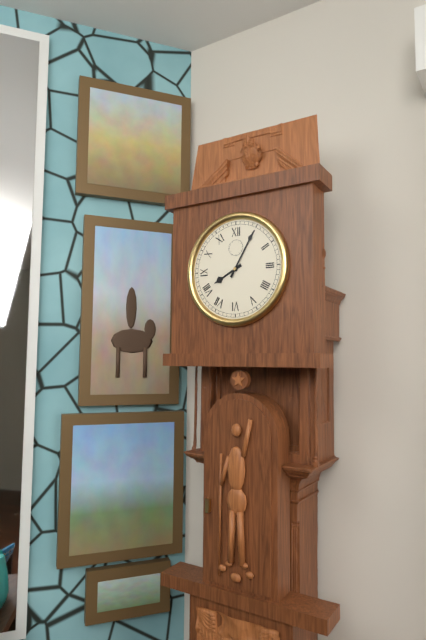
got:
8:05
